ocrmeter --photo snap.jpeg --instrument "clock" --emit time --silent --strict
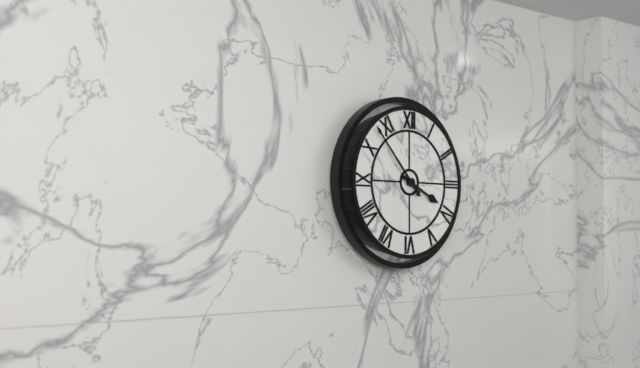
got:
3:53
